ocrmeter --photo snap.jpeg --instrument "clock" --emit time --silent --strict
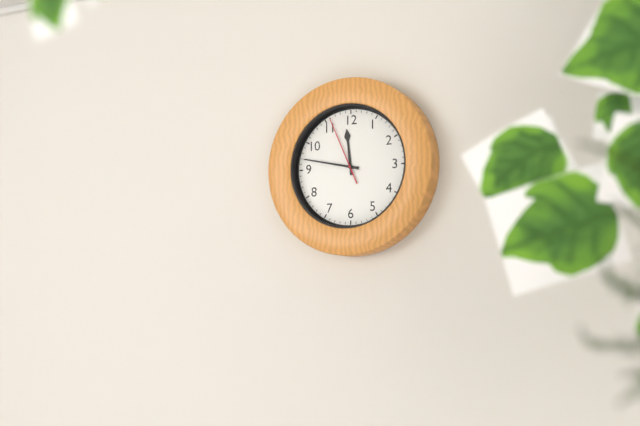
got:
11:47:56
